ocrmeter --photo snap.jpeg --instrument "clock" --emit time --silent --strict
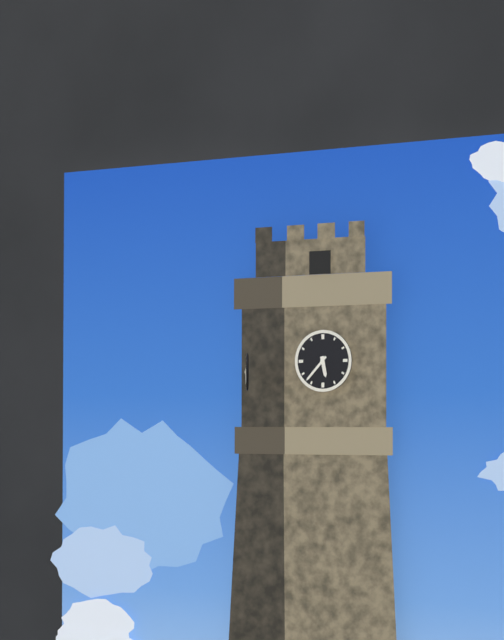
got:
5:37
